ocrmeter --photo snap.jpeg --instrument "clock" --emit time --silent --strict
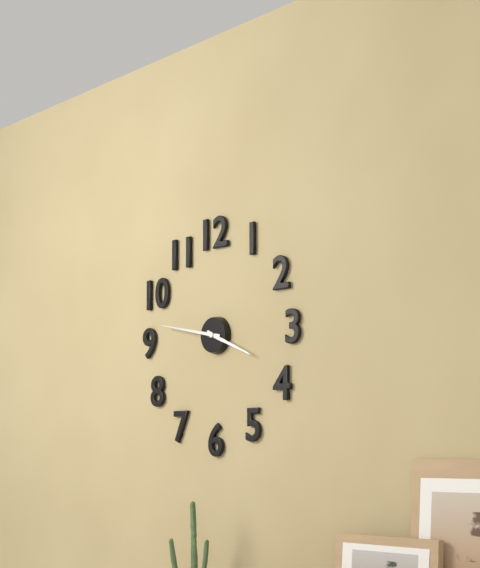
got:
3:47
